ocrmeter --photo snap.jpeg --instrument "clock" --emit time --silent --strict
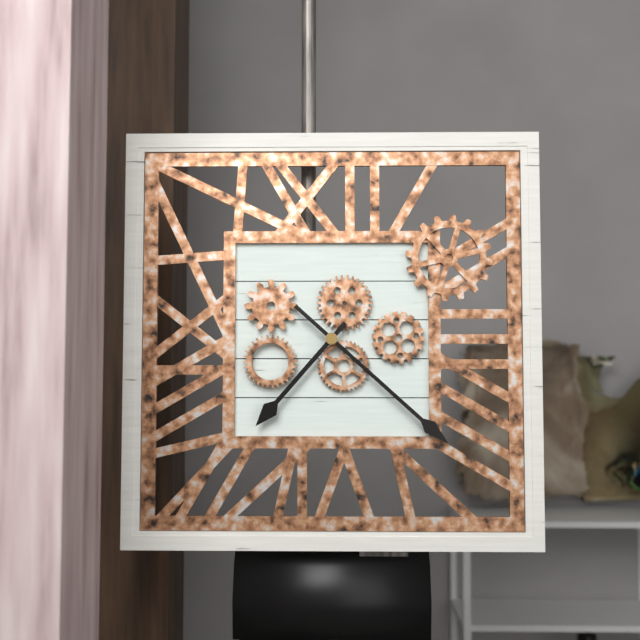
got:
7:22
